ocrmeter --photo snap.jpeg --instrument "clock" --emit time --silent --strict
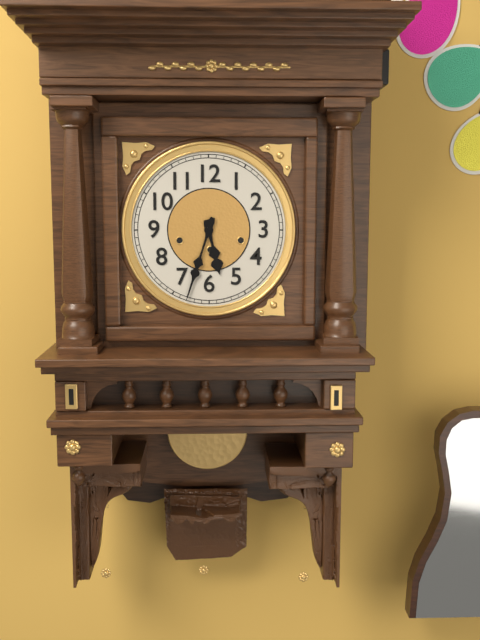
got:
5:33
